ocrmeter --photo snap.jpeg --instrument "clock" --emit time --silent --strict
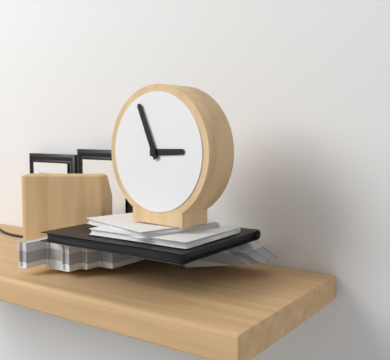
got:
2:56
